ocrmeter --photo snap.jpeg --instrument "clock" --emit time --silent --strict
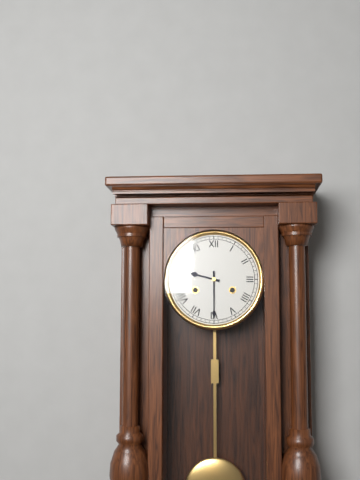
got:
9:30
